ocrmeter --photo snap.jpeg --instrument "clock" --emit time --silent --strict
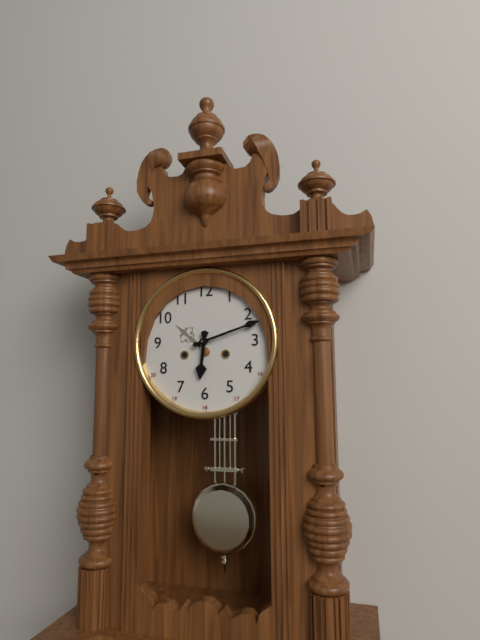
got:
6:12
